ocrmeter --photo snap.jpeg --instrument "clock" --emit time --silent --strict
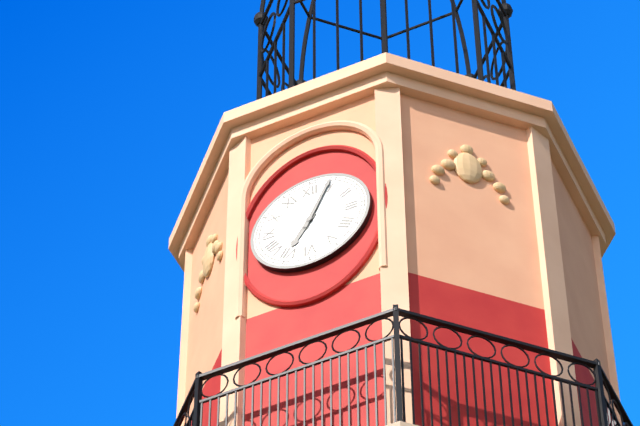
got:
7:04
